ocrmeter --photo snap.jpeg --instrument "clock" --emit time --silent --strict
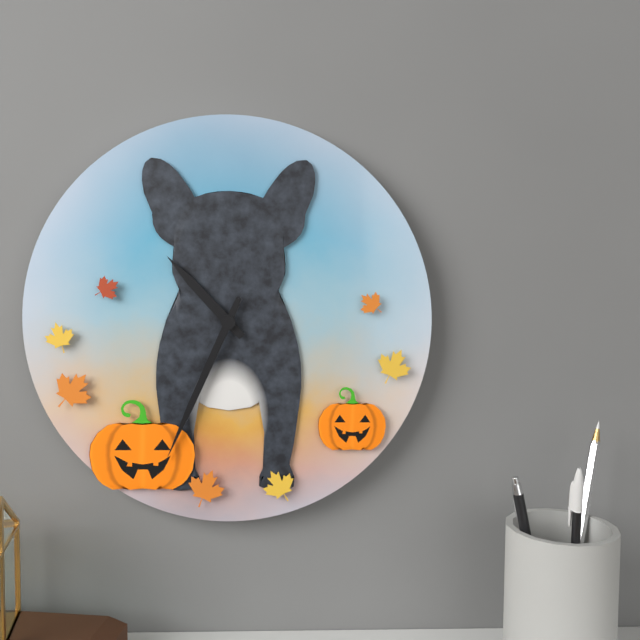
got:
10:34
